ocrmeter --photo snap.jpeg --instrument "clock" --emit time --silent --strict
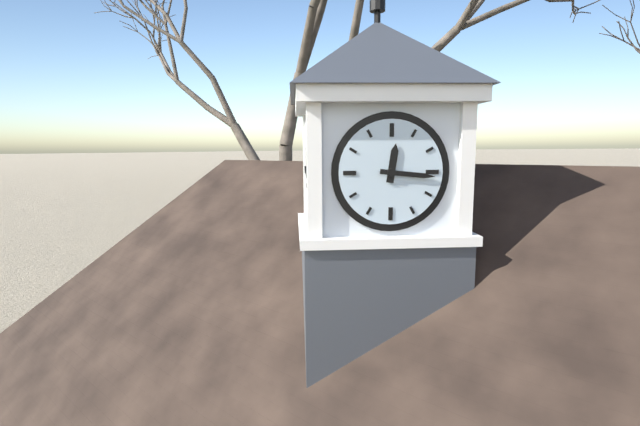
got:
12:16
